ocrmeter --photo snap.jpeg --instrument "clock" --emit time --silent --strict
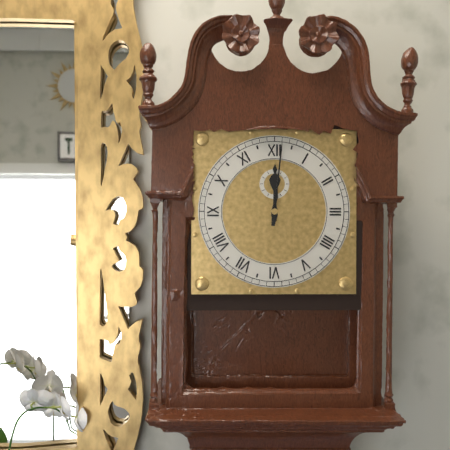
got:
12:01
